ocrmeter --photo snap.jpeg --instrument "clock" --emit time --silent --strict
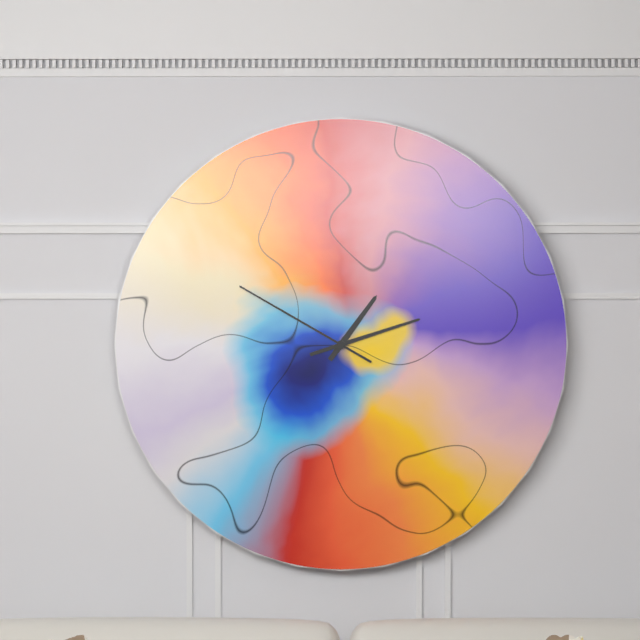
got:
1:12:50
